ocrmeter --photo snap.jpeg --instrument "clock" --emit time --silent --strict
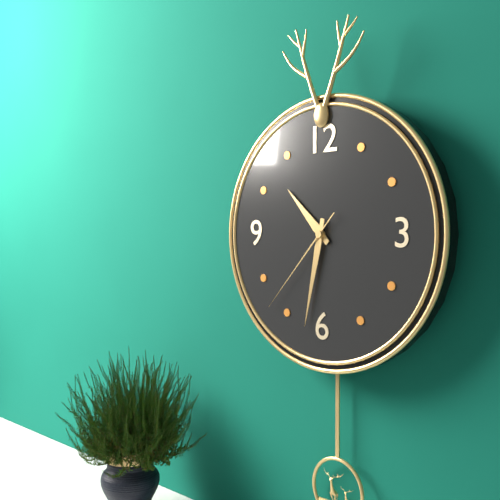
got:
10:32:37
